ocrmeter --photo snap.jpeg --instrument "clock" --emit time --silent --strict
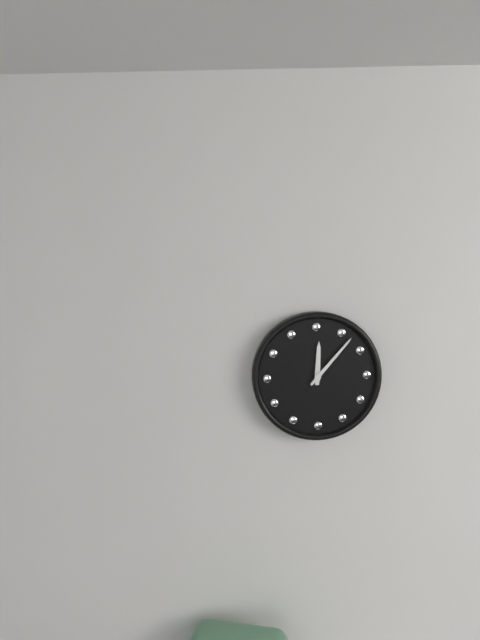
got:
12:07
